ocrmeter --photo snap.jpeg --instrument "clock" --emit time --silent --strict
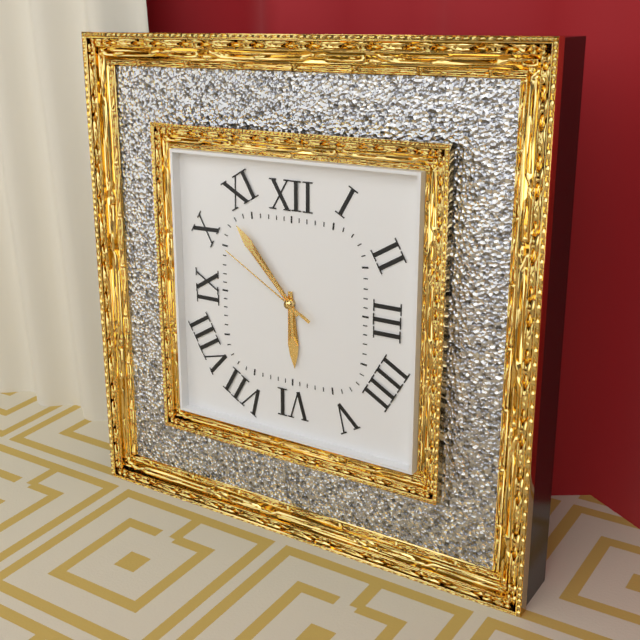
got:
5:53:50
